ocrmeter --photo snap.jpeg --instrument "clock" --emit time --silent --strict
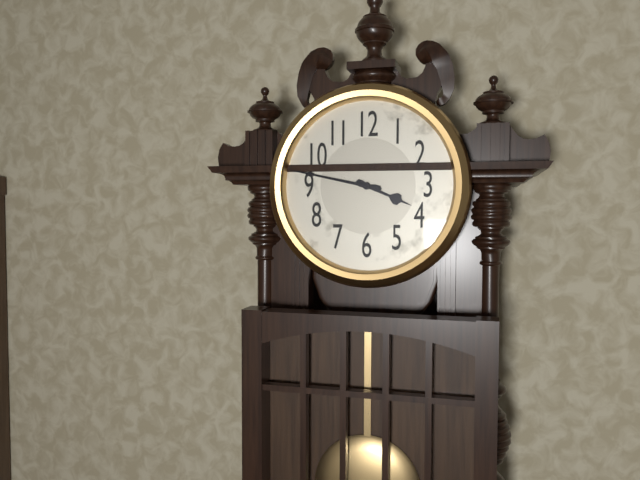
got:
3:47
